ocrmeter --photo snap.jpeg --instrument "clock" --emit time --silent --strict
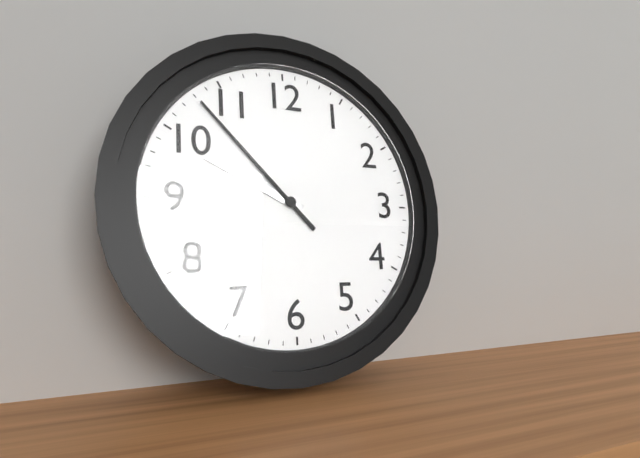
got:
9:53
